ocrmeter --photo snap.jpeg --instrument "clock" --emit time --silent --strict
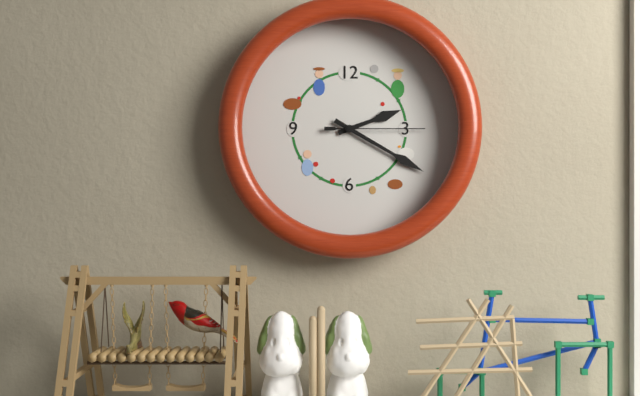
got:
2:20:15
